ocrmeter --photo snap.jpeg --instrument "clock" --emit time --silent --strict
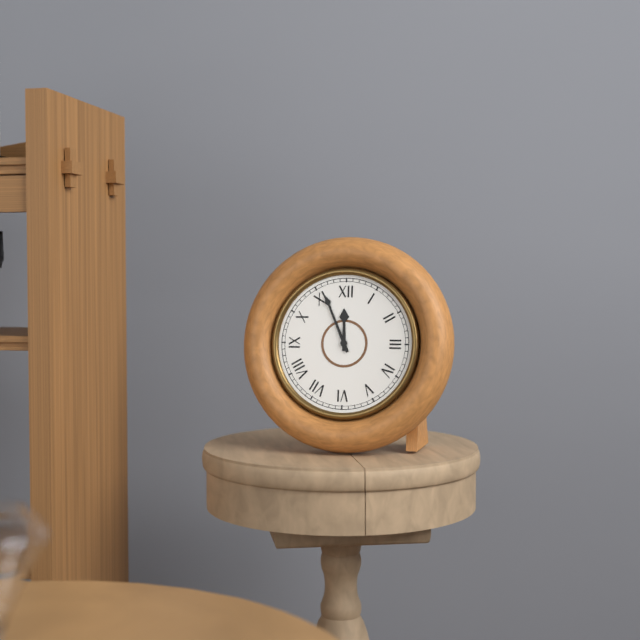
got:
11:56
